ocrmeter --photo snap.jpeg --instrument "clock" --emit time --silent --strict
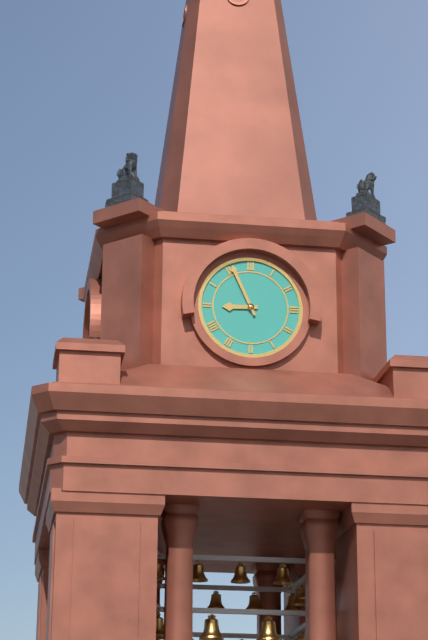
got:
8:56
